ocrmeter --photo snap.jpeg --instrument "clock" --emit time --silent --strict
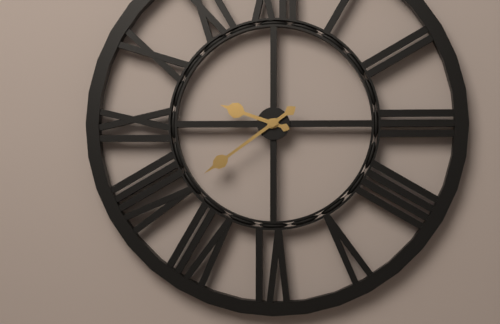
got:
9:39
